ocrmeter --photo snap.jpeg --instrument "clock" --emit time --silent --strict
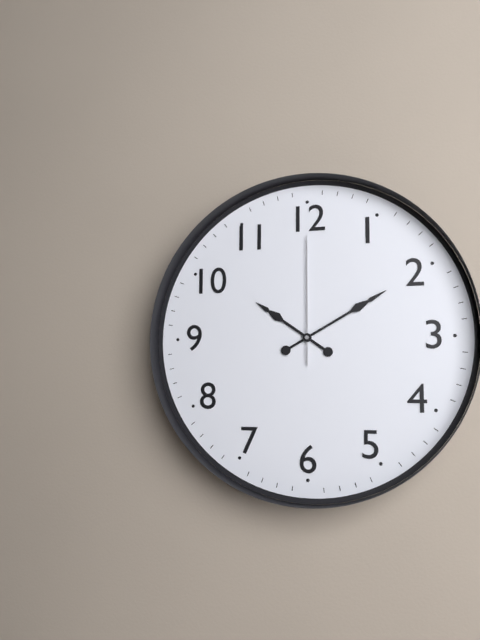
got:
10:10:00
